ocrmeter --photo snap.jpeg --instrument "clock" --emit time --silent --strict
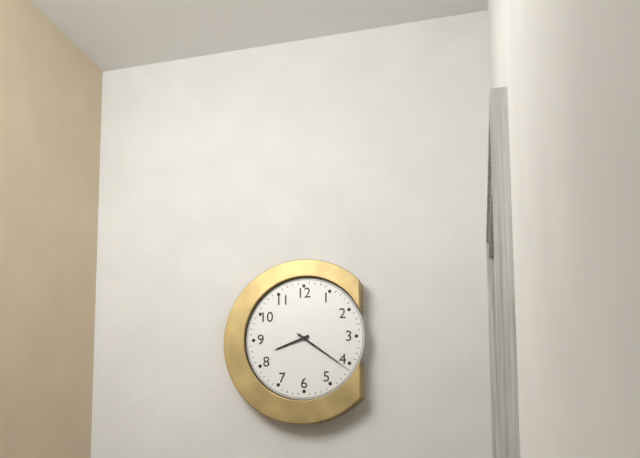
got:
8:21:21
